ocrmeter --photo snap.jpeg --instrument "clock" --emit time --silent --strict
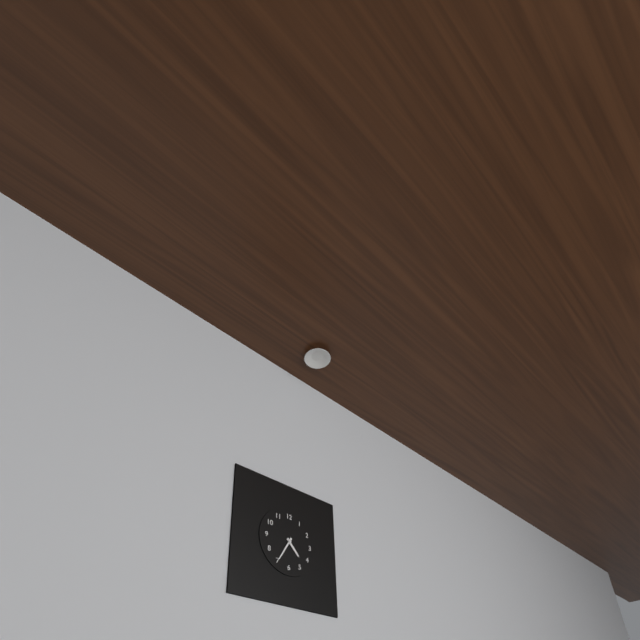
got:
4:35
